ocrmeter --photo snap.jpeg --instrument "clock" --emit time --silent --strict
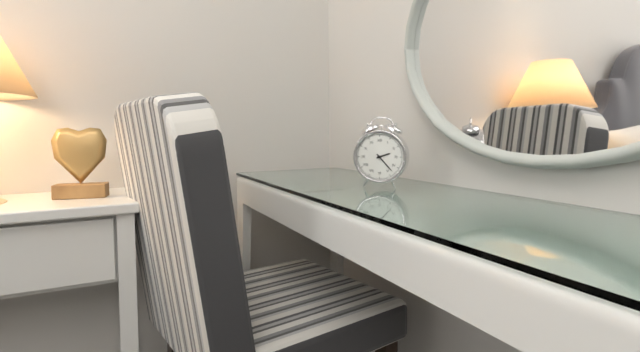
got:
2:23
